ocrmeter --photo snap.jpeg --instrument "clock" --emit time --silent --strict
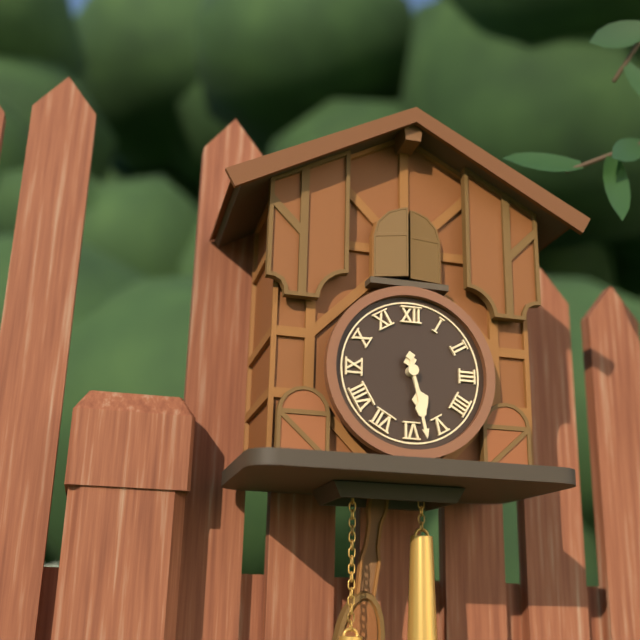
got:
5:28
